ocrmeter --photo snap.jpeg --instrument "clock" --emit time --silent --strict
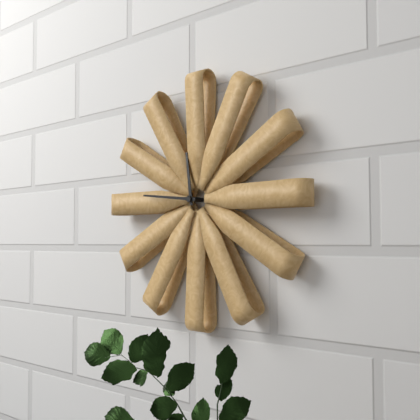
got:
11:46
